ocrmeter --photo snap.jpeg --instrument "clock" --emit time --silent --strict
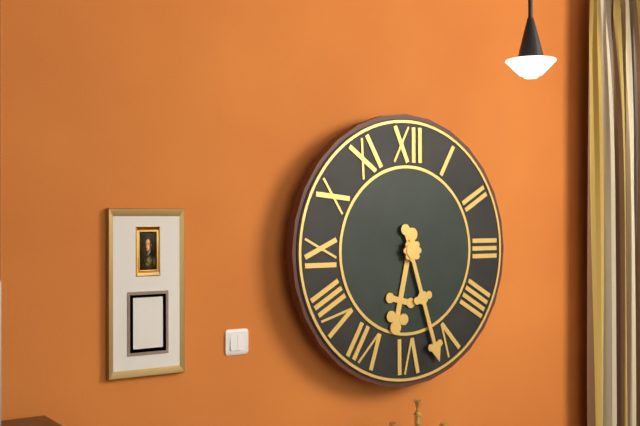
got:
6:27
